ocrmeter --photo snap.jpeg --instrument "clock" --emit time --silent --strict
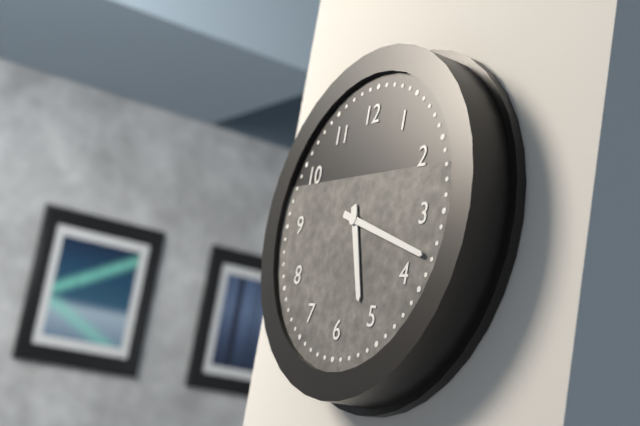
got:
5:18
